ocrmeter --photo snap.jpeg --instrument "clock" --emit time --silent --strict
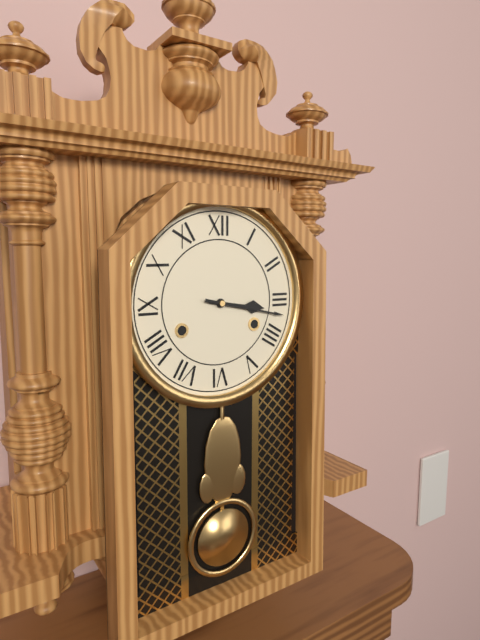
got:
3:17
